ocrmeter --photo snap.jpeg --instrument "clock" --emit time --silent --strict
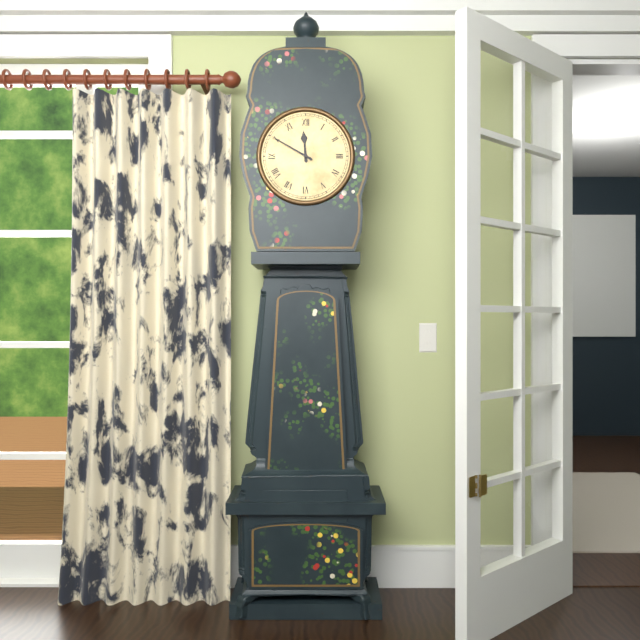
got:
11:50
